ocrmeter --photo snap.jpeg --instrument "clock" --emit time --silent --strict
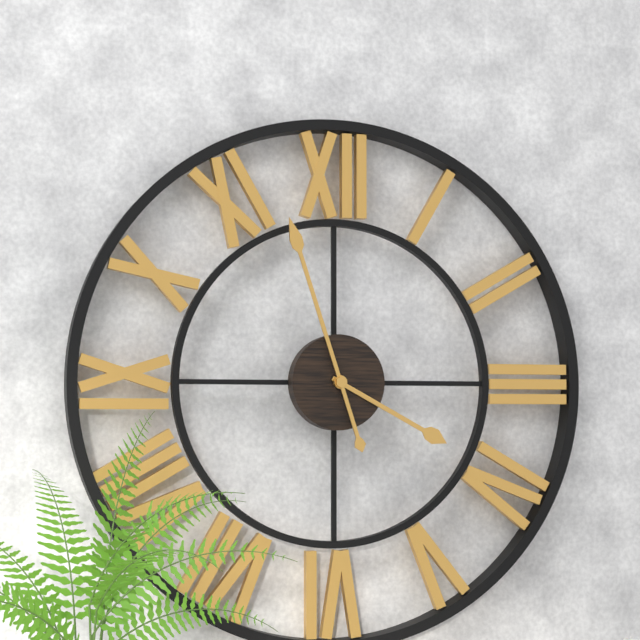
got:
3:57
